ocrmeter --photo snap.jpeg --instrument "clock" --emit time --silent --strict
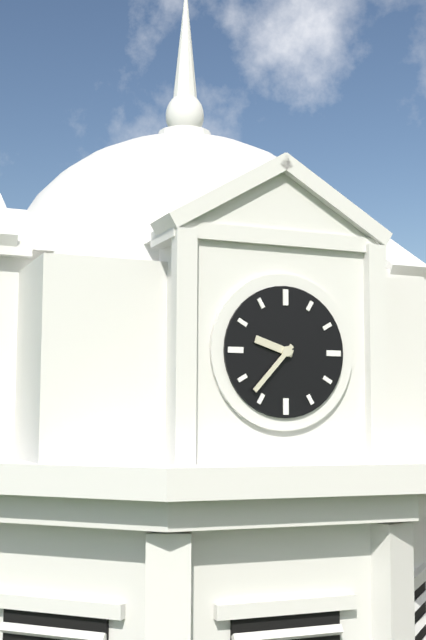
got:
9:37
